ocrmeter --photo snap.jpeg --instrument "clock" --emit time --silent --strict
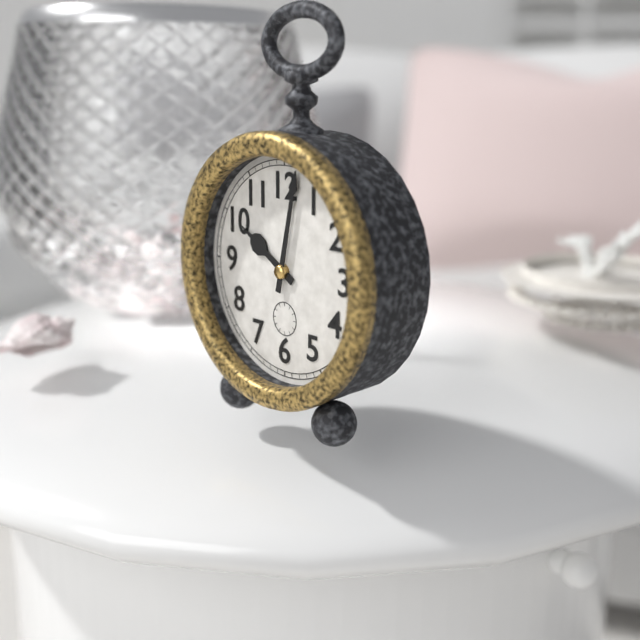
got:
10:02
